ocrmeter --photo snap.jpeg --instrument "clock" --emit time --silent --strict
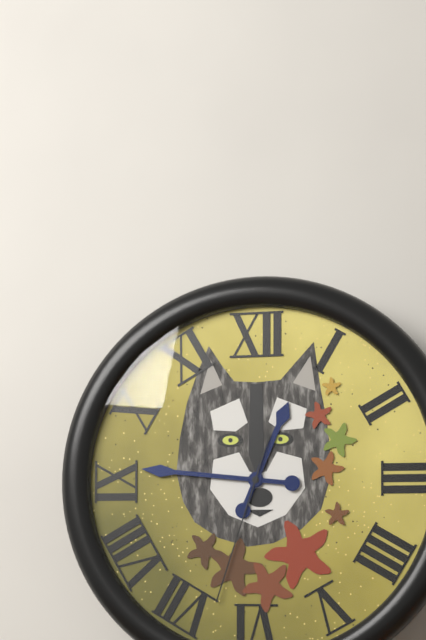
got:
12:46:33
